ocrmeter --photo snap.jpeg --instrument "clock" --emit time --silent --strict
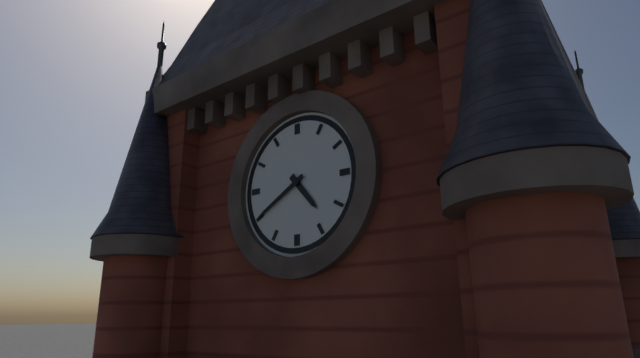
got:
4:40
